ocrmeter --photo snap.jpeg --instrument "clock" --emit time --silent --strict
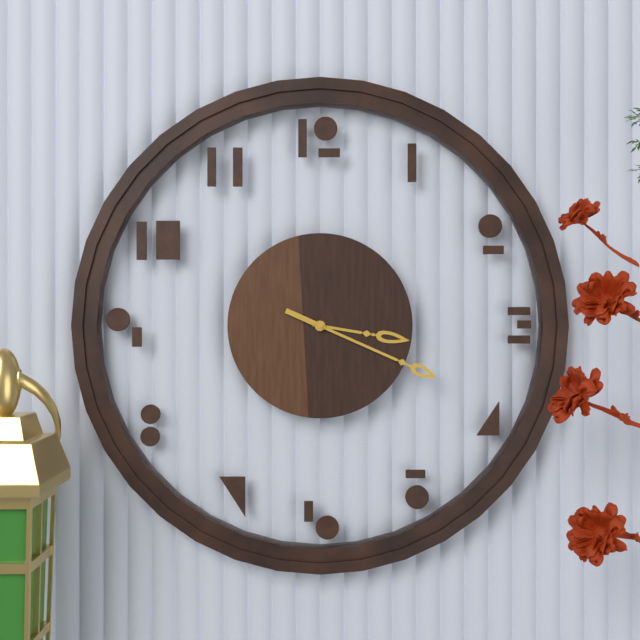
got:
3:19
